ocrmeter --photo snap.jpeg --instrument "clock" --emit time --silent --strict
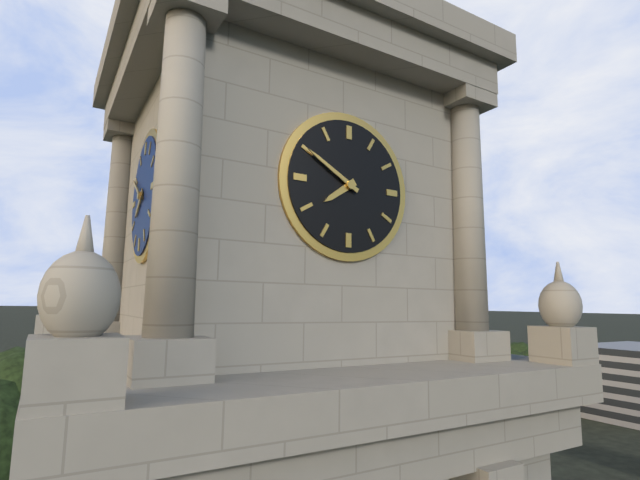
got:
7:50
